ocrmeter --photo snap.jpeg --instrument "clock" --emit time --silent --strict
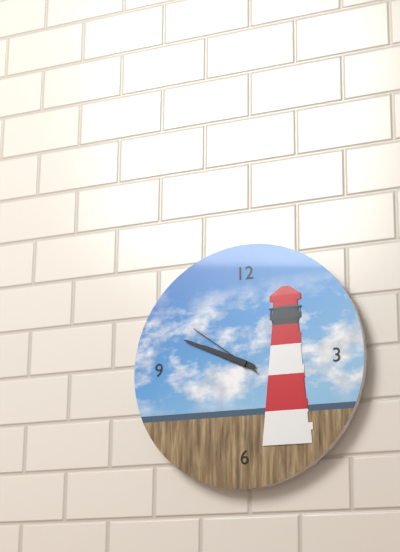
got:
9:49:51
